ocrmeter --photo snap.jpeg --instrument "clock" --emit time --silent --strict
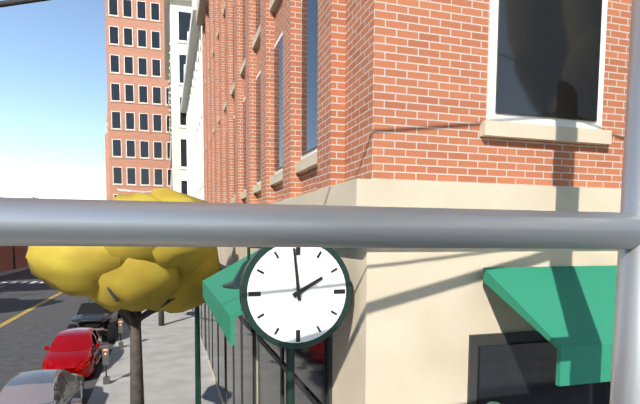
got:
1:59
